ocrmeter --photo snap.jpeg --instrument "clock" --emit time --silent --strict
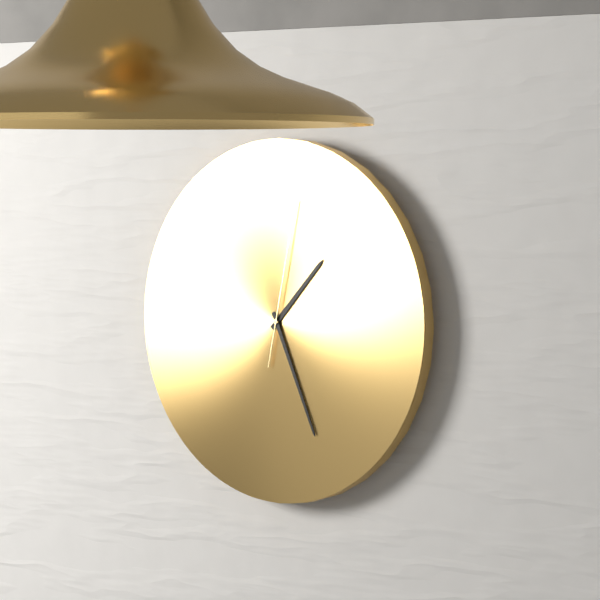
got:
1:26:02
